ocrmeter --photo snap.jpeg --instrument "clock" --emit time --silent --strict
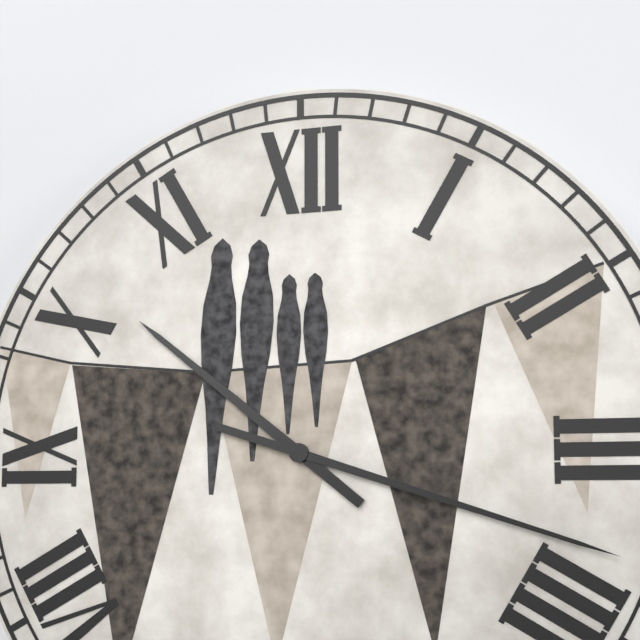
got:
10:18
